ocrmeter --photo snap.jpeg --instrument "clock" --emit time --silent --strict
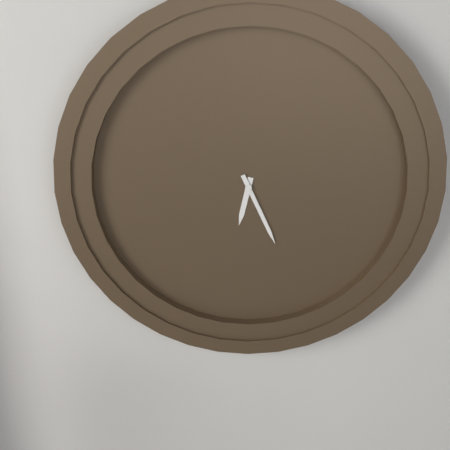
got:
6:26
